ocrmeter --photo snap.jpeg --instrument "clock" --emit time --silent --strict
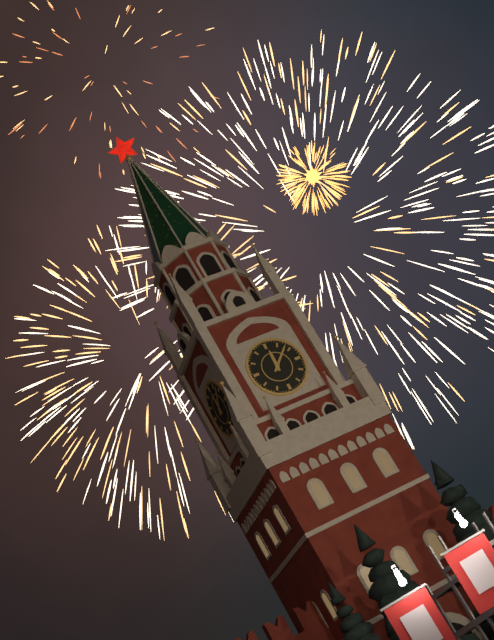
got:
12:08
